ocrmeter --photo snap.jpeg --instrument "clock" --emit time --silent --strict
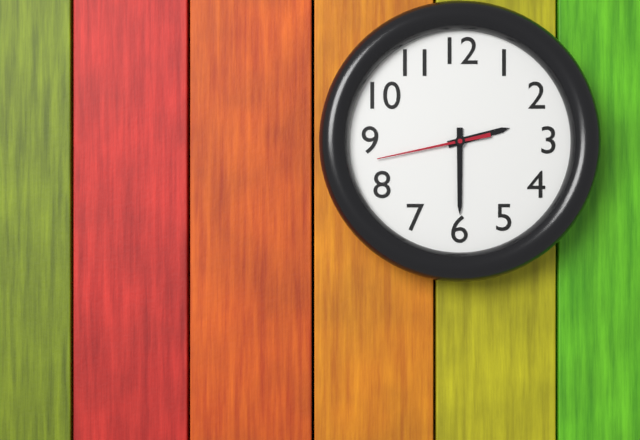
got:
2:30:43
